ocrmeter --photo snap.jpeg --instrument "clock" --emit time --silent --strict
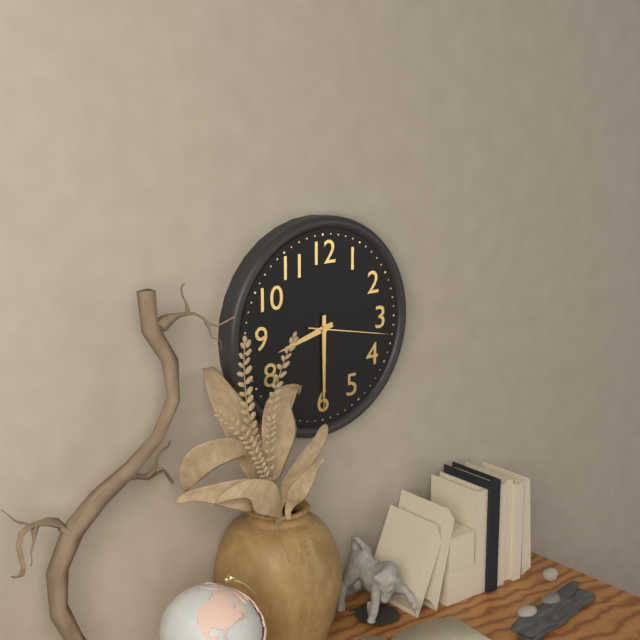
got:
8:30:17
